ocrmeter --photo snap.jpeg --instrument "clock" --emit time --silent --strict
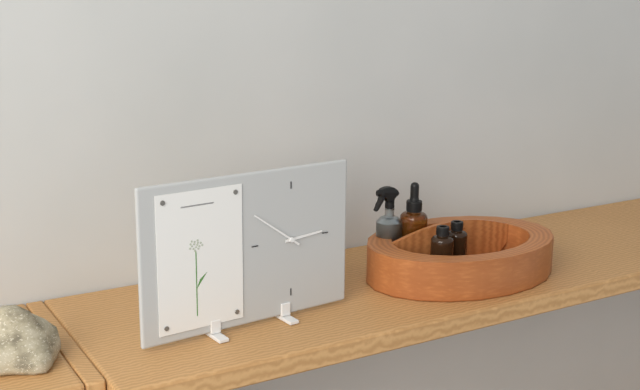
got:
2:51
